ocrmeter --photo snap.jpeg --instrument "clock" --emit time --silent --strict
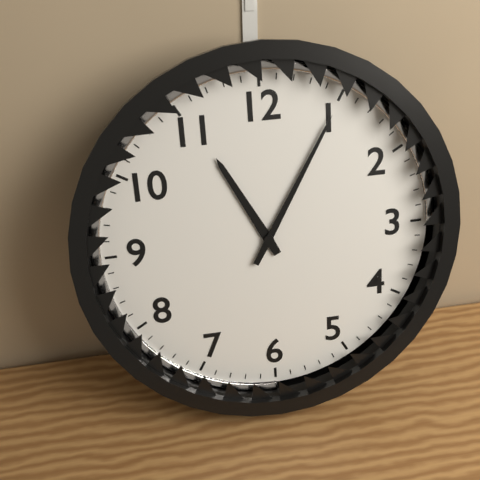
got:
11:05
